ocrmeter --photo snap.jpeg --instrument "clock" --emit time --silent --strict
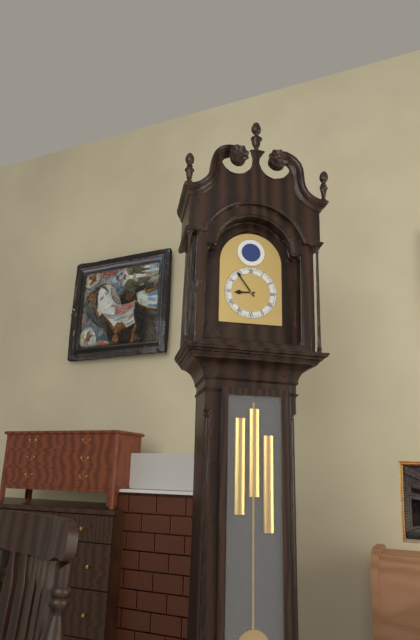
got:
8:54
